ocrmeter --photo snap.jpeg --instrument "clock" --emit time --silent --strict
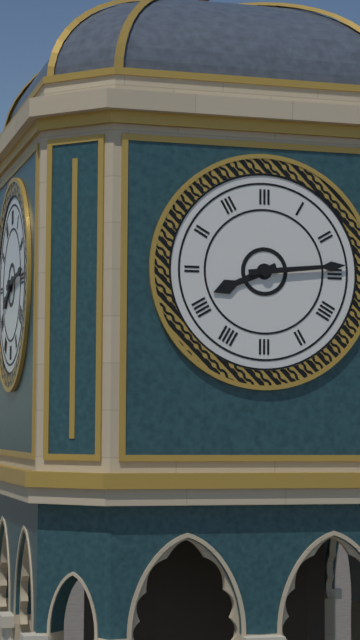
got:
8:14
